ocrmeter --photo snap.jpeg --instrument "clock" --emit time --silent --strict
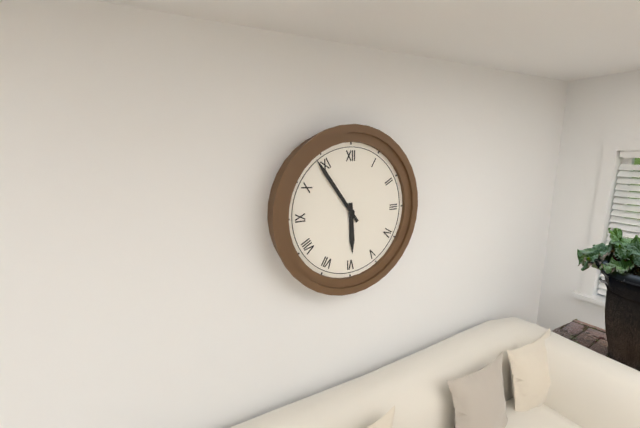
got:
5:54
